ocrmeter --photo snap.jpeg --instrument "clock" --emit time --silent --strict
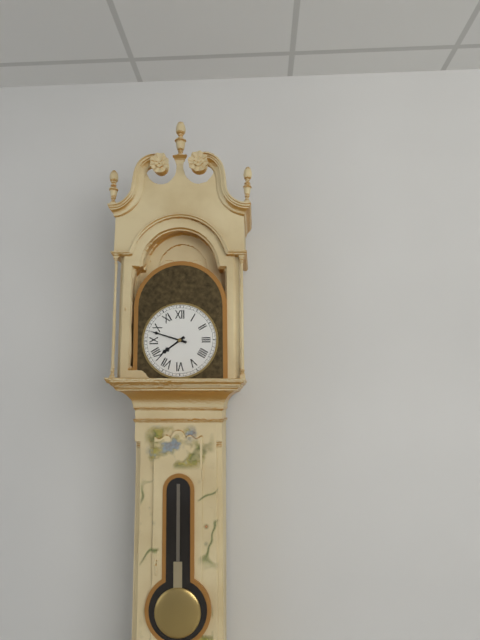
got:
7:48
